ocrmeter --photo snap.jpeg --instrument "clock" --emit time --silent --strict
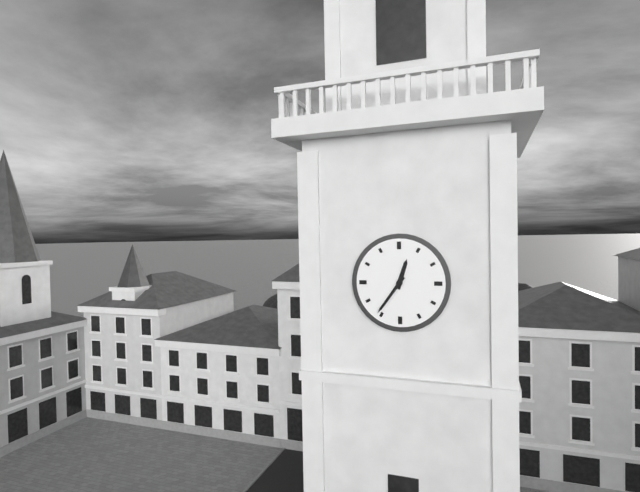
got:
12:36
